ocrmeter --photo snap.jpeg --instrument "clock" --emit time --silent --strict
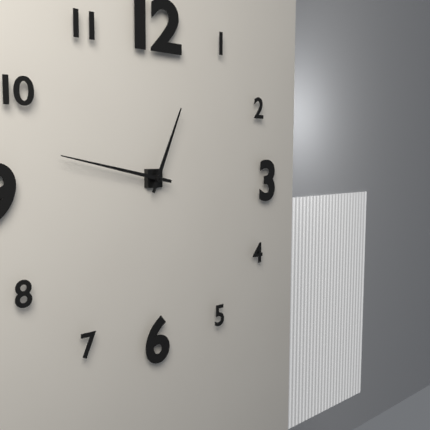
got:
12:47
